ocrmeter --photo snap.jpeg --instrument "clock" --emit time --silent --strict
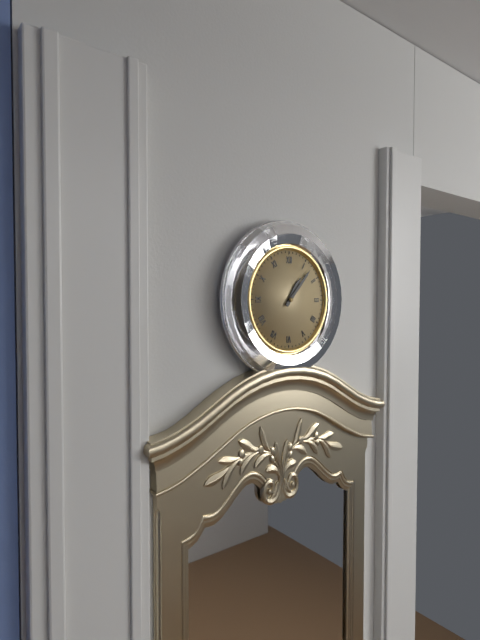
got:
1:07
